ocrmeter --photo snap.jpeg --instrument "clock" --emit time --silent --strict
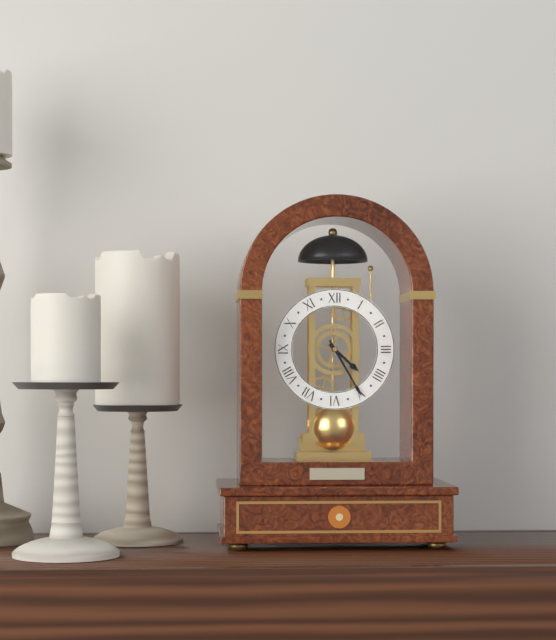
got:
4:25
